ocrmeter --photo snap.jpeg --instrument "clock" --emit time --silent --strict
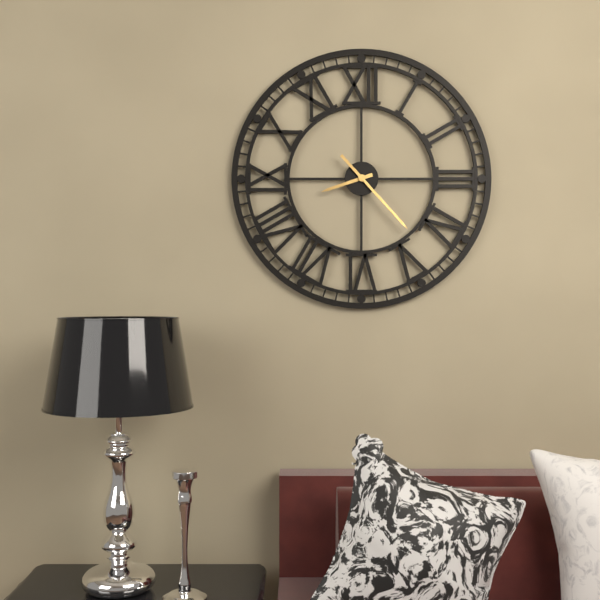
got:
8:23
